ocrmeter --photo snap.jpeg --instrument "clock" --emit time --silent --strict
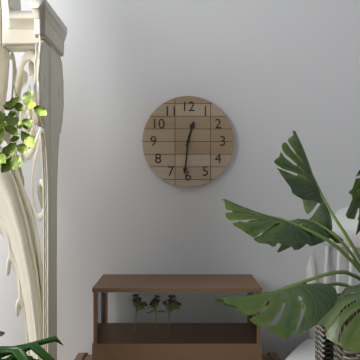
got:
12:31
